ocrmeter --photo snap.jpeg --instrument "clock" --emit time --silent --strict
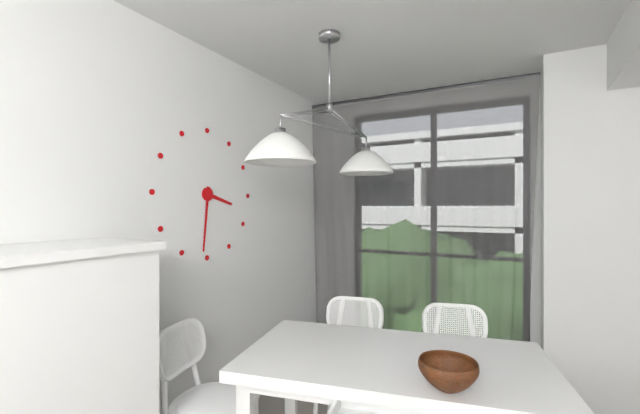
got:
3:31
